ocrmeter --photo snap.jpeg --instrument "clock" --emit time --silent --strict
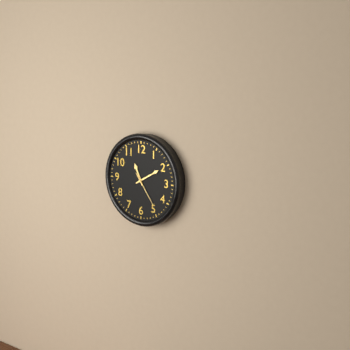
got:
11:10
